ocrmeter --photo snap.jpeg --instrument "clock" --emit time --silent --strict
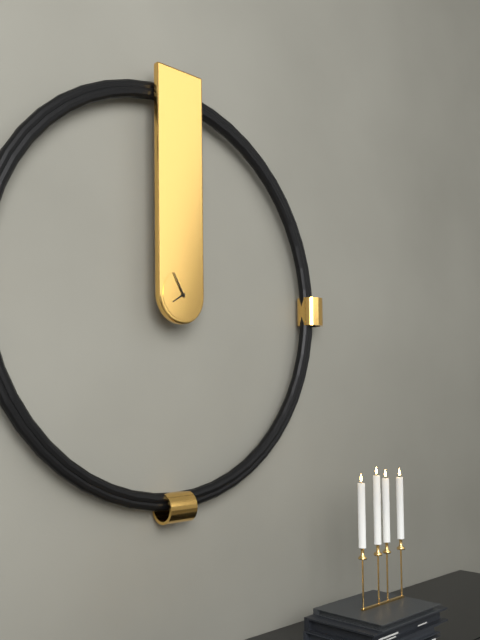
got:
7:55
